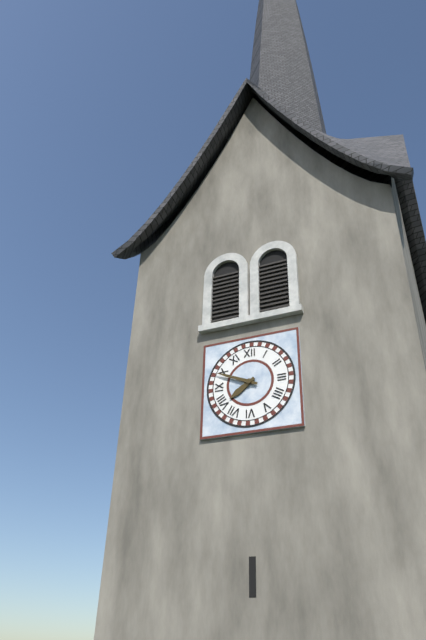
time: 7:49
